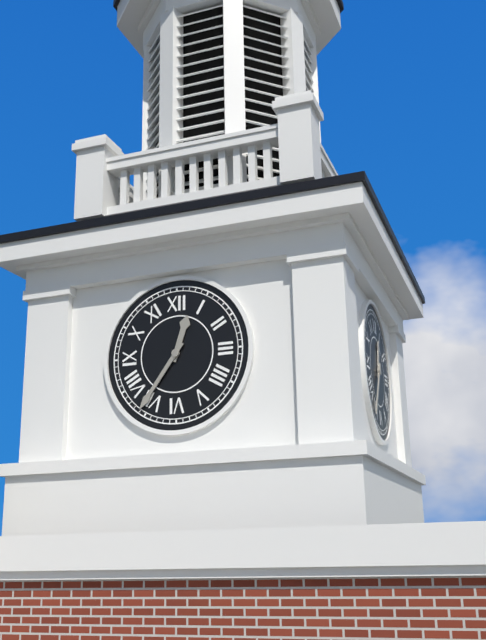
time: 12:36
